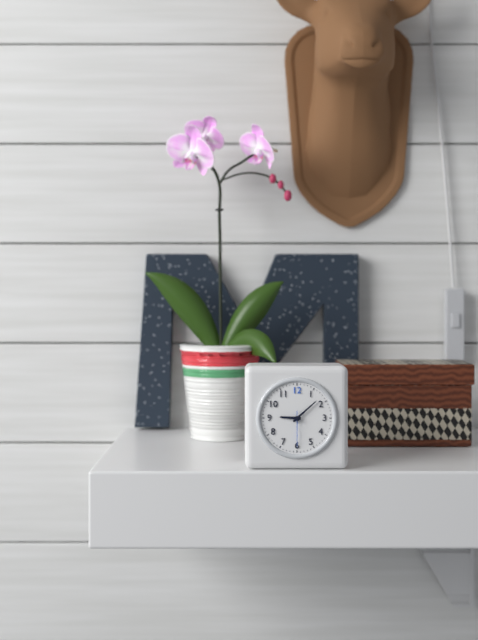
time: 9:08
